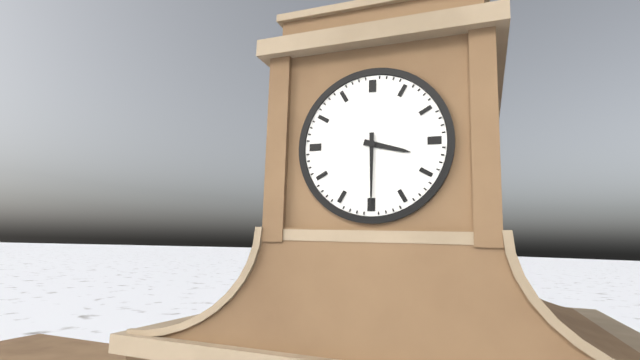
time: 3:30
